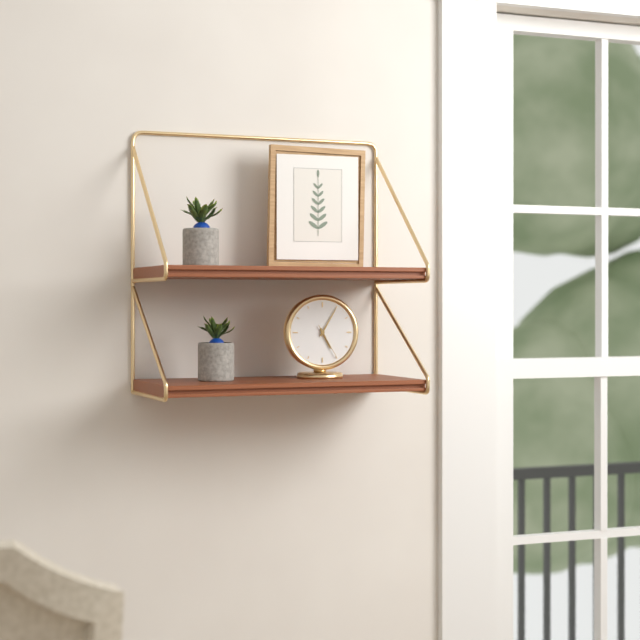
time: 5:05
